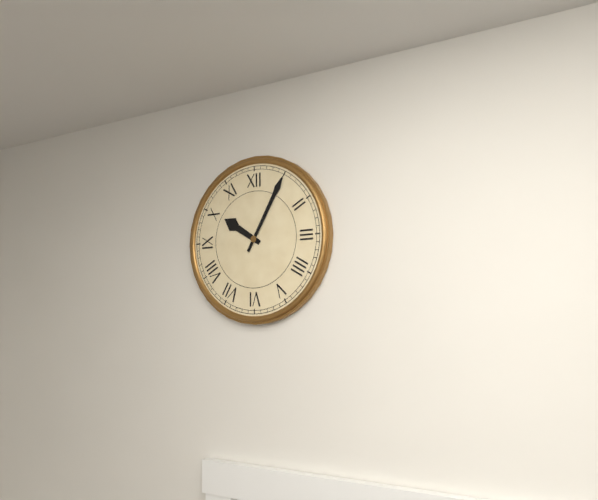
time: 10:05
